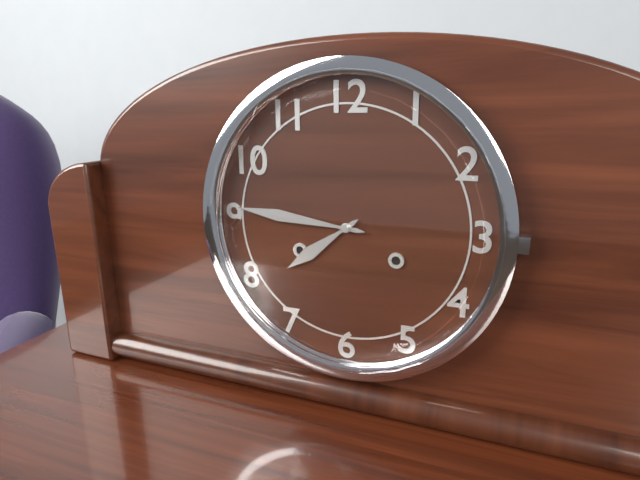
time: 7:46
